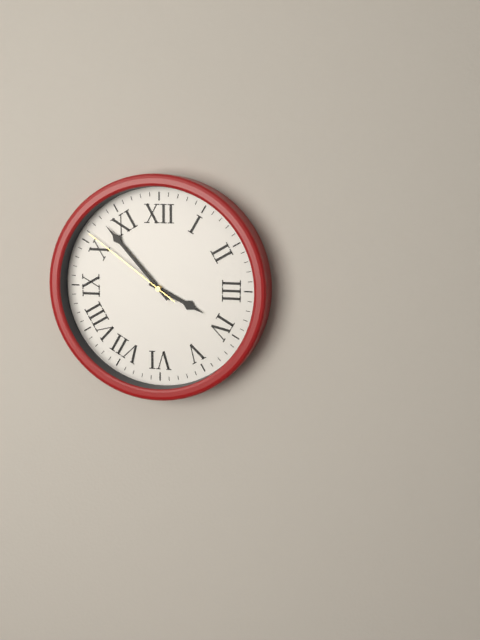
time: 3:53:51
